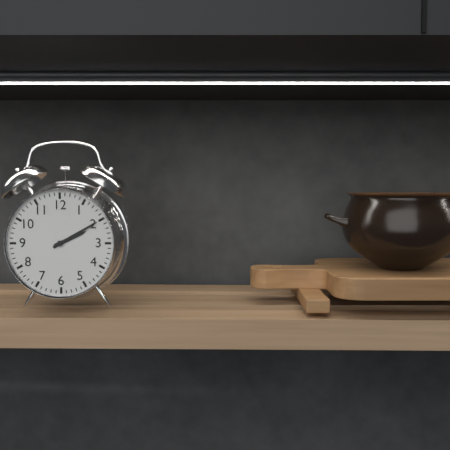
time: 2:10
